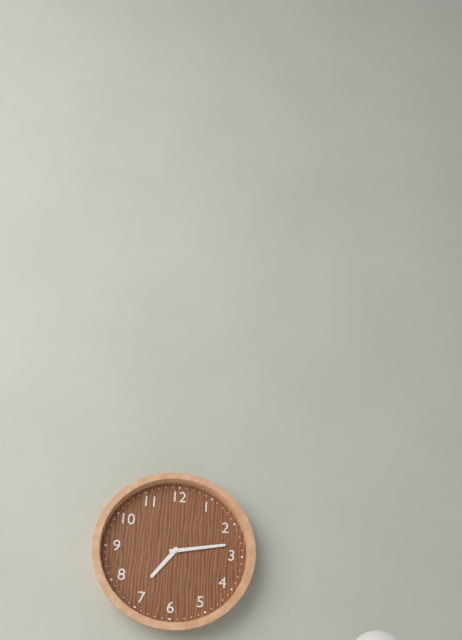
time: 7:13
